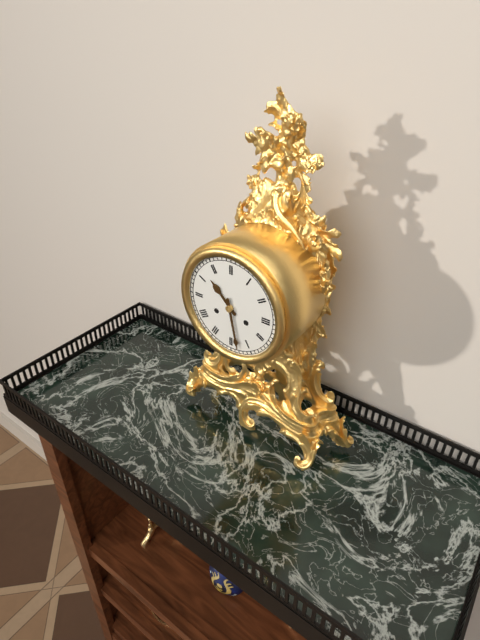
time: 10:28
